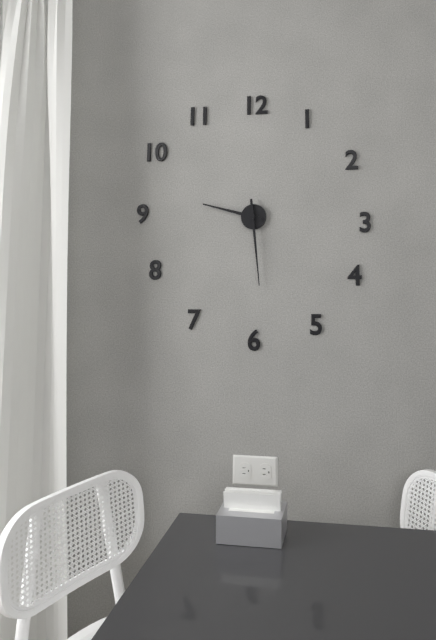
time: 9:29
